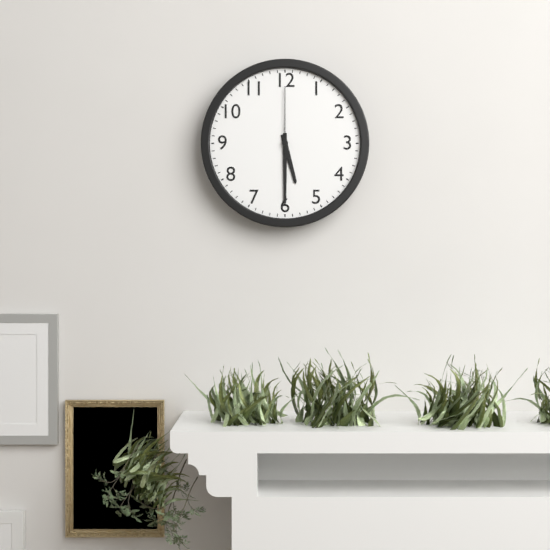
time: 5:30:00
